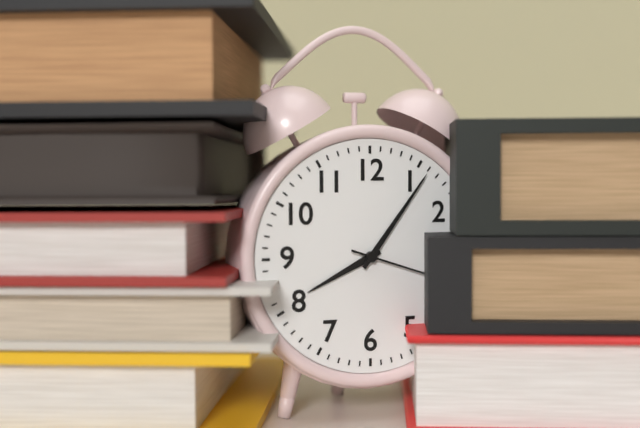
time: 8:06
